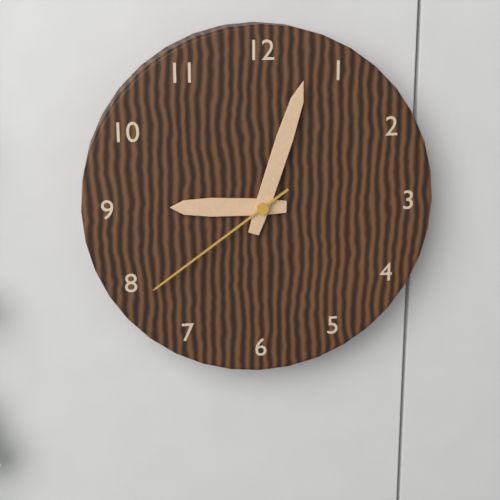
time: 9:03:39
